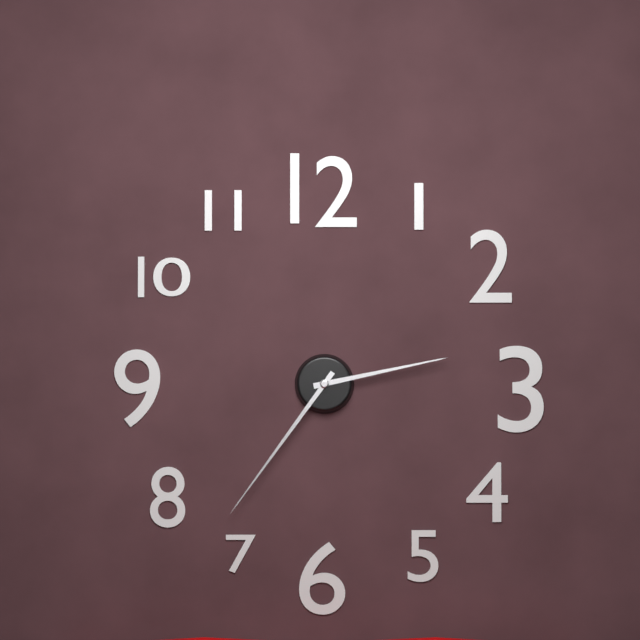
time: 2:36
